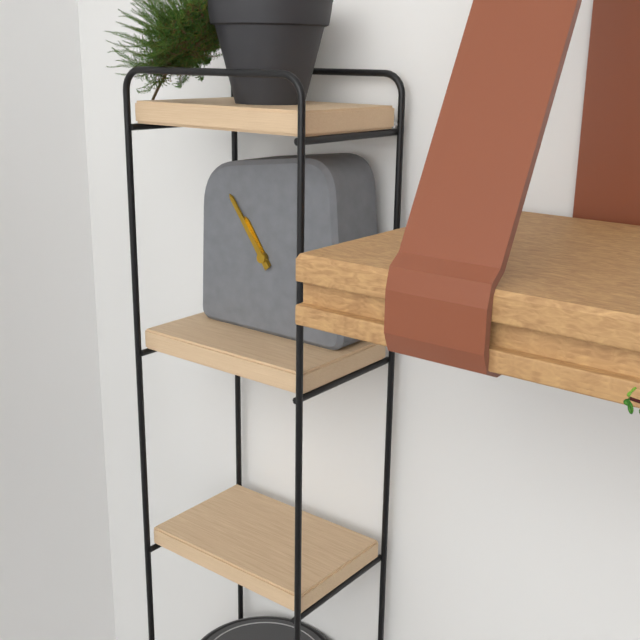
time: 10:54
